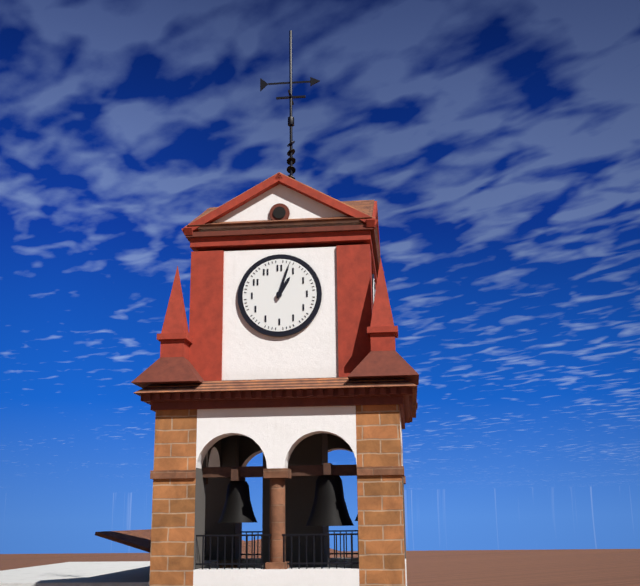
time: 1:03
